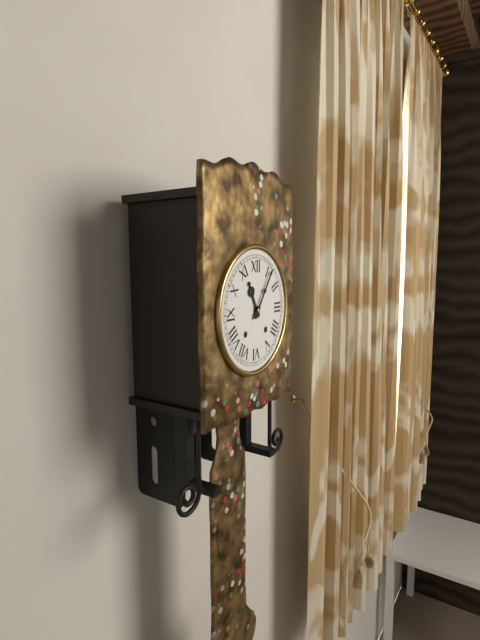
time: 11:06
